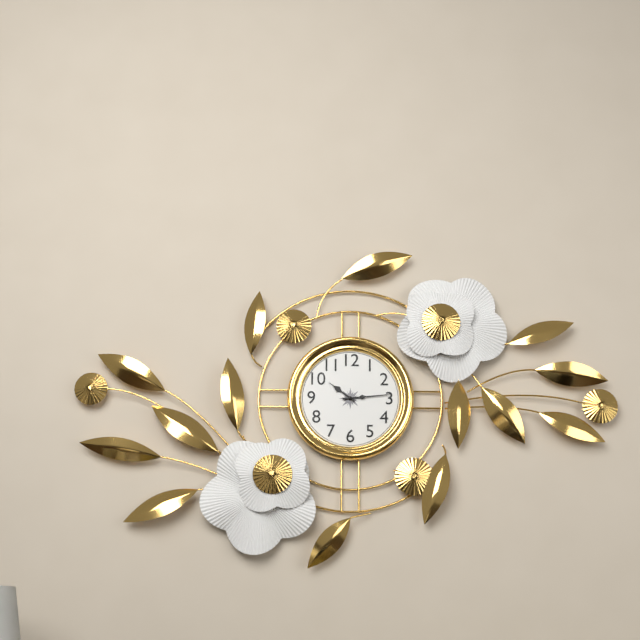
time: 10:14
